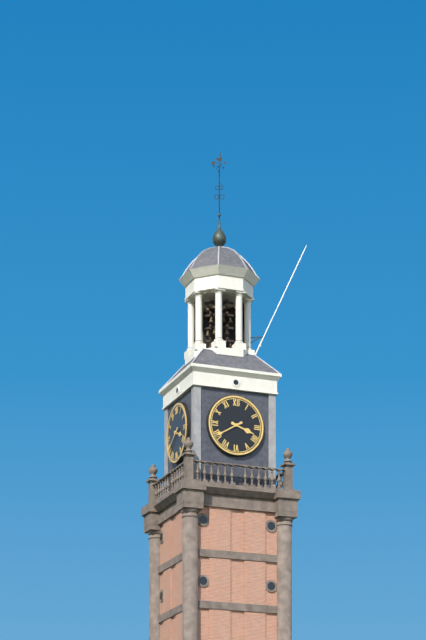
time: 3:40
